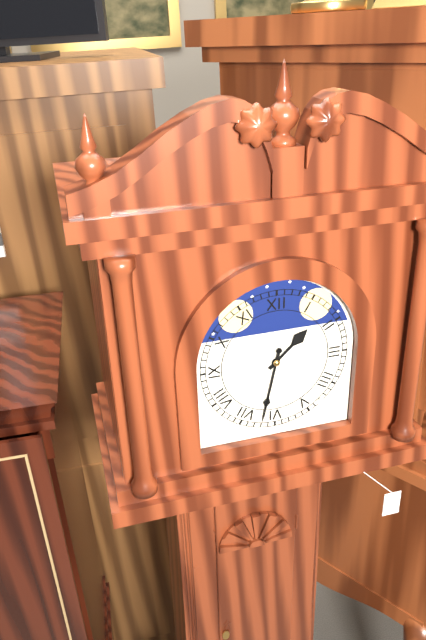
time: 1:32
